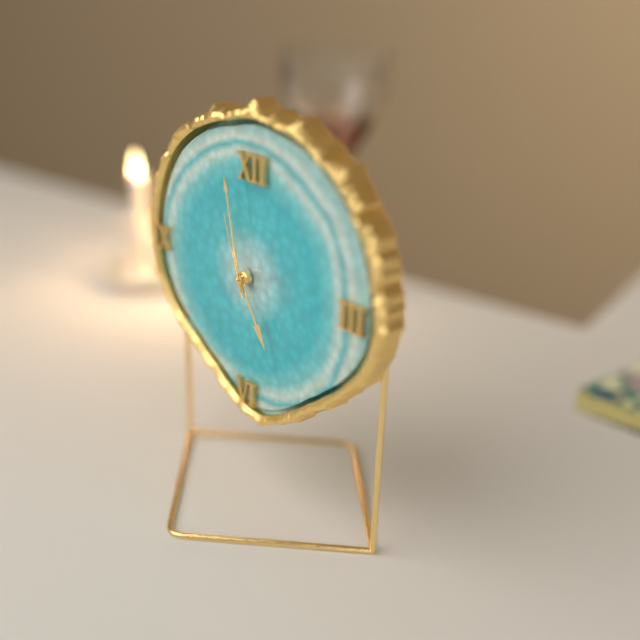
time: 4:58:57
